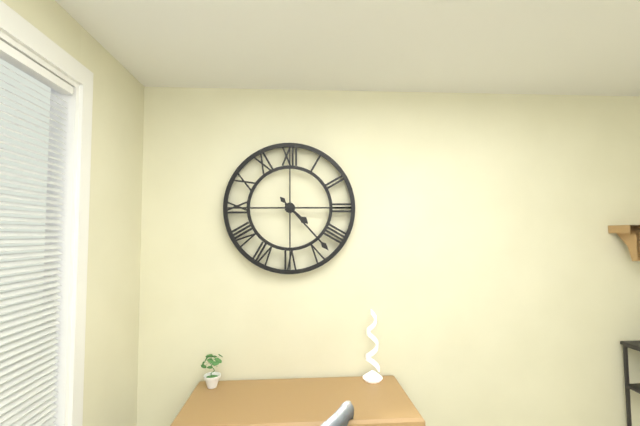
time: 4:23
